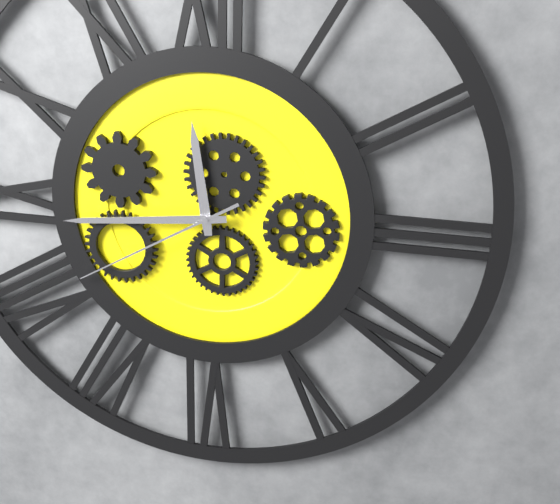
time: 11:44:40
